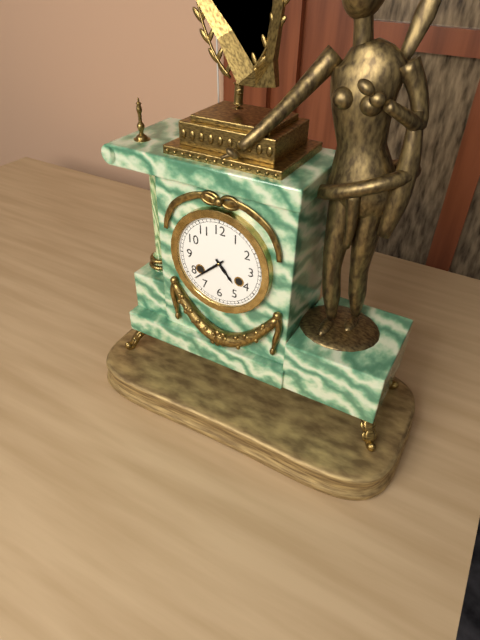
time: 4:38
